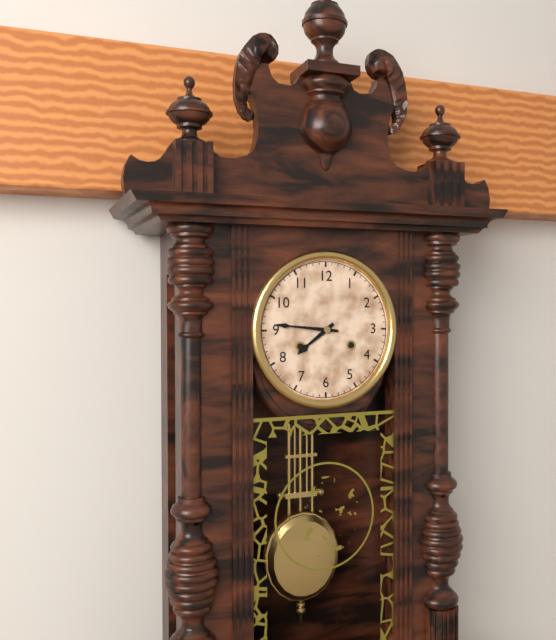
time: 7:46
